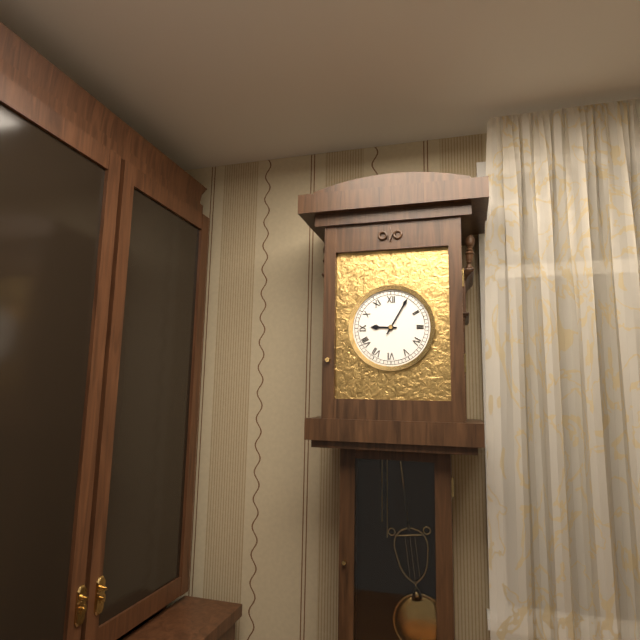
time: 9:05
